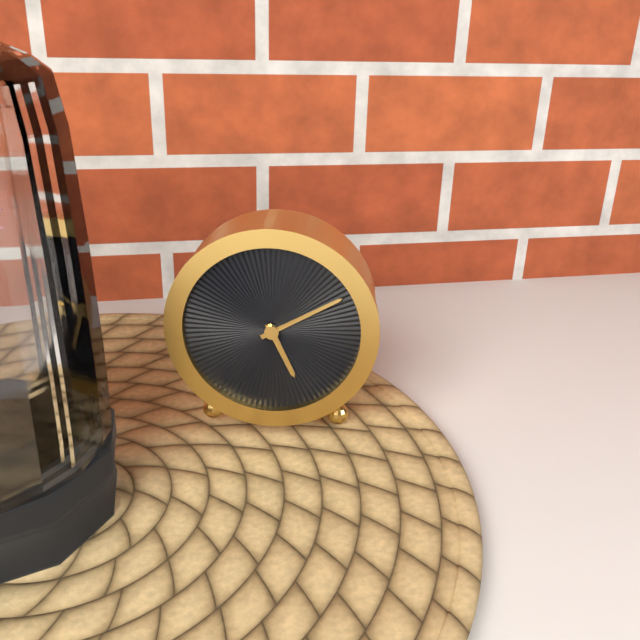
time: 5:10
